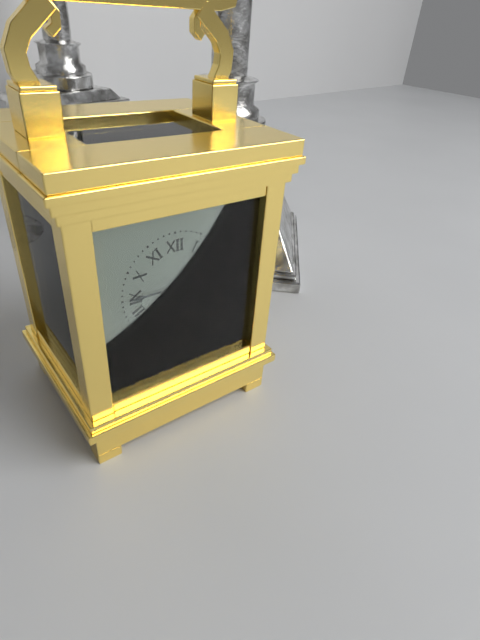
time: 7:45
